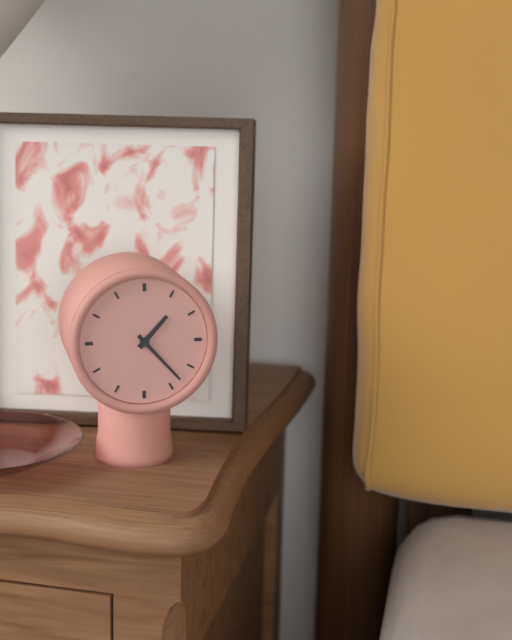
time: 1:23
